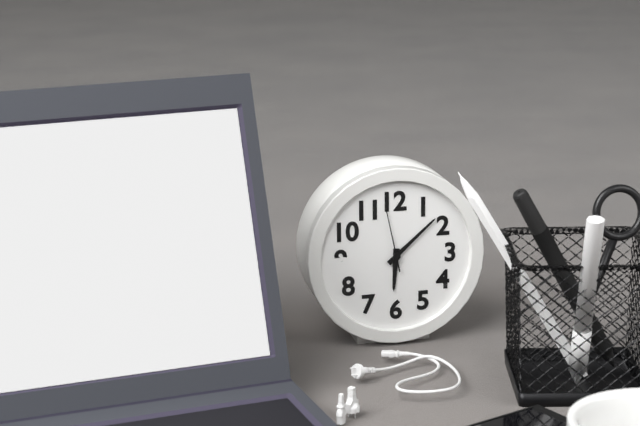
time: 6:08:58
